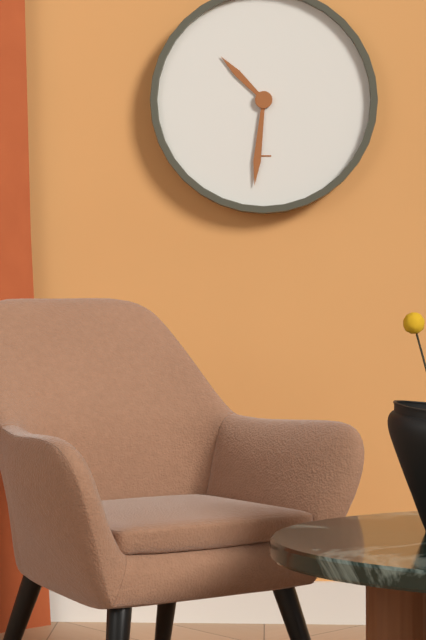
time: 10:31
